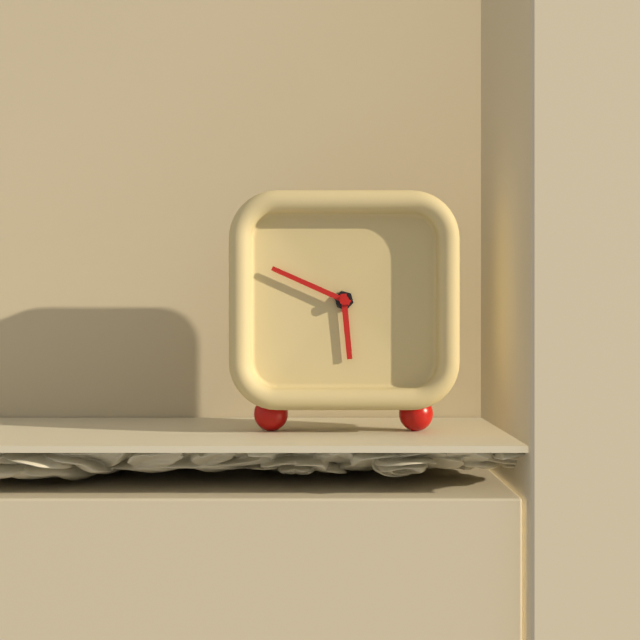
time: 5:49
